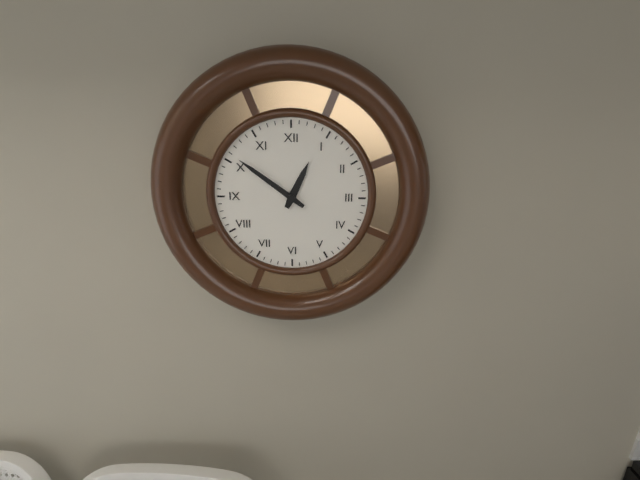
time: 12:51
